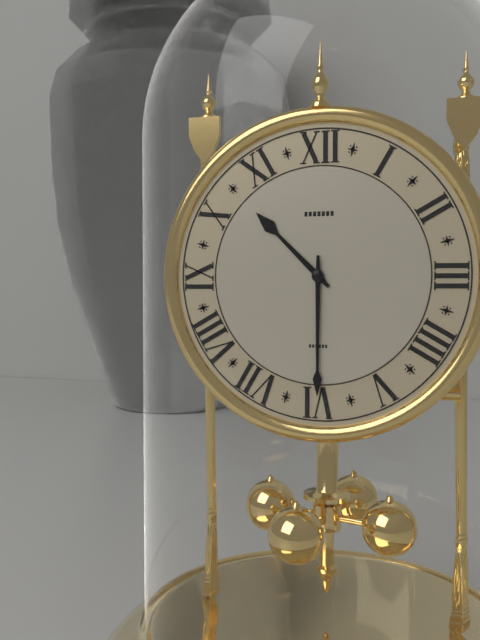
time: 10:30
